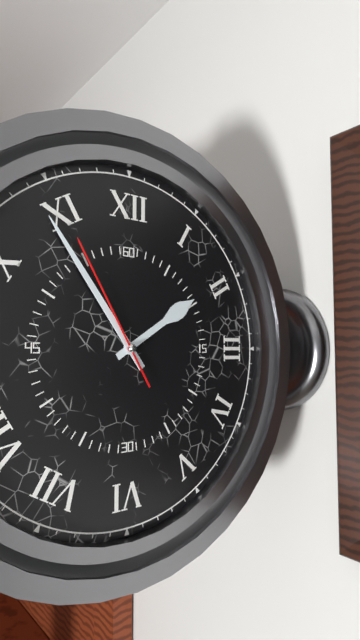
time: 1:54:55
